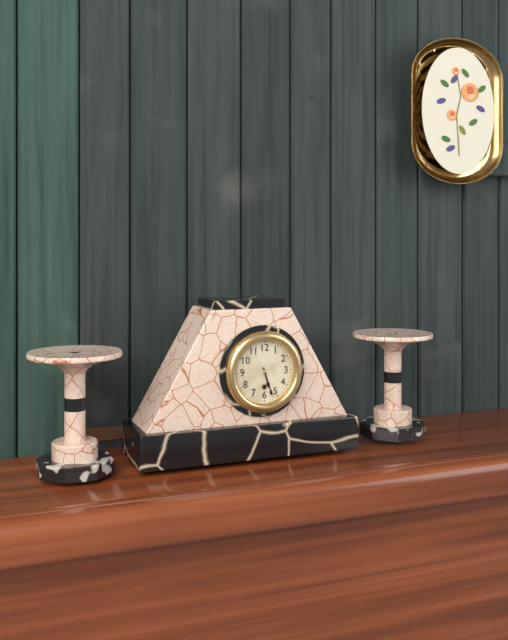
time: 5:27
